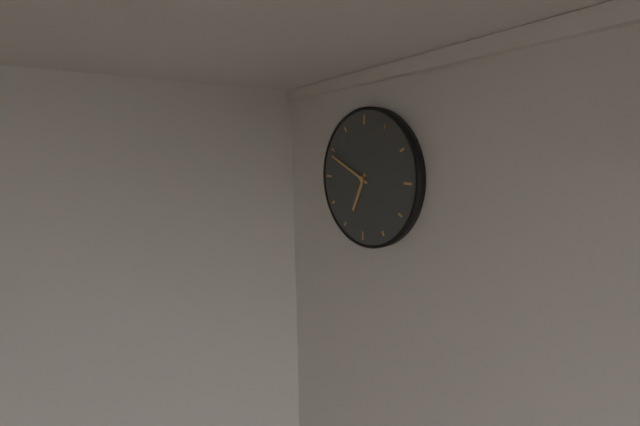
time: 6:49
